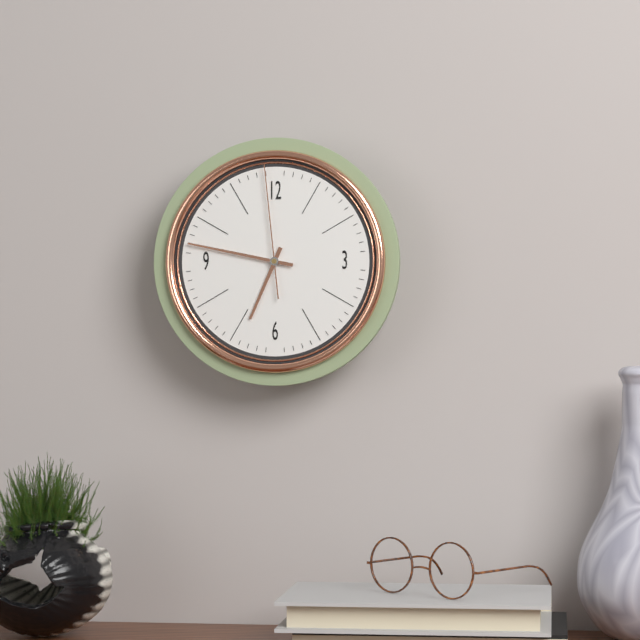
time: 6:47:59
